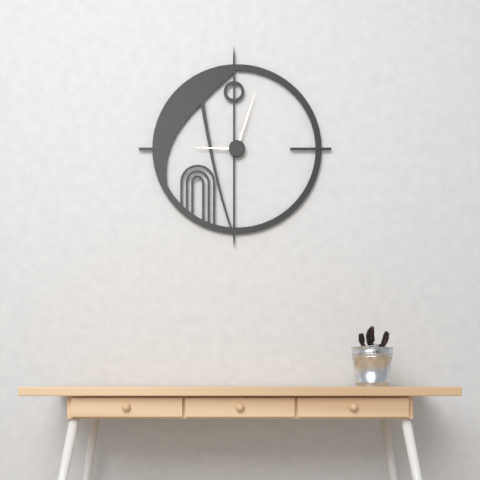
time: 9:03
